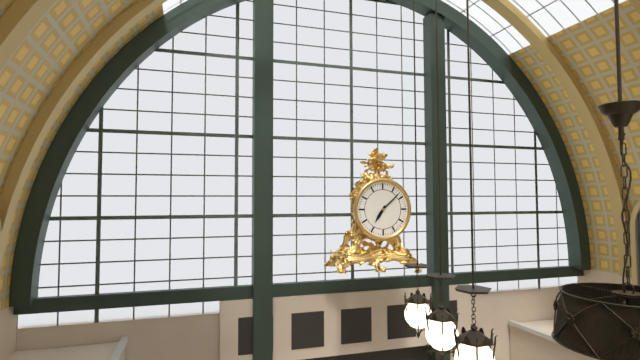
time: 7:08
